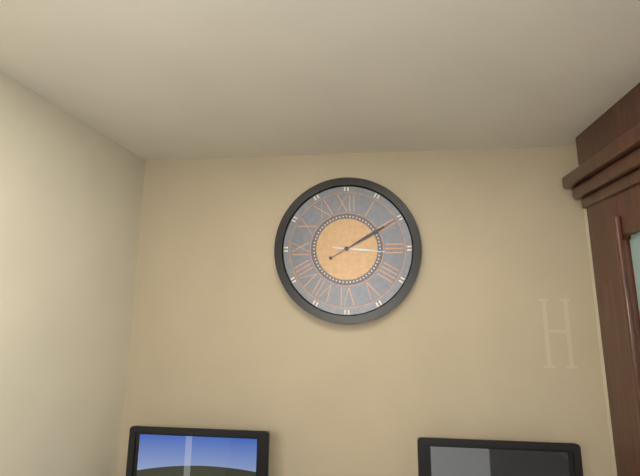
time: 3:10
